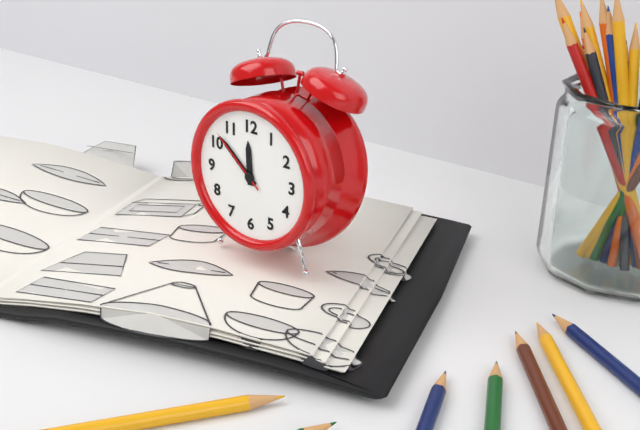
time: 11:52:52
